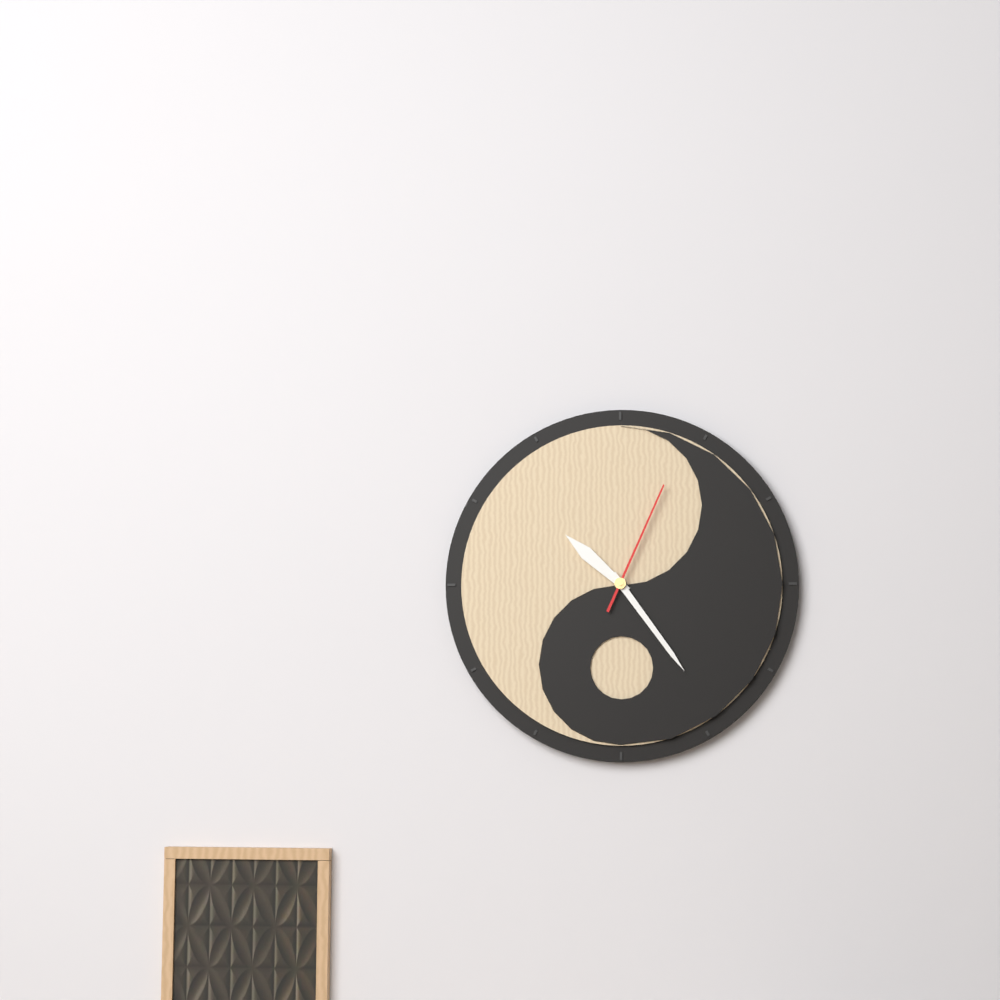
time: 10:24:04
